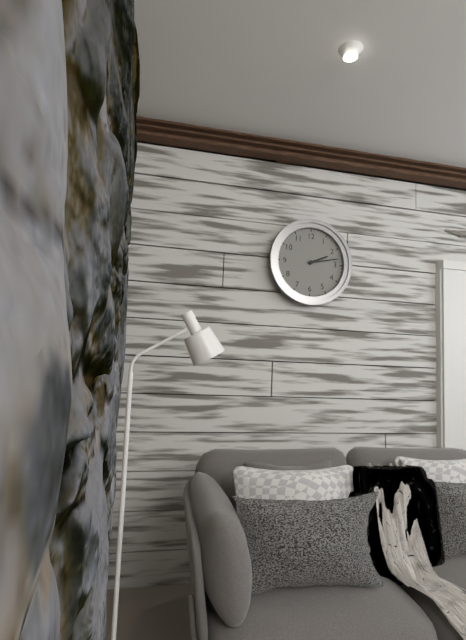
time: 2:13
